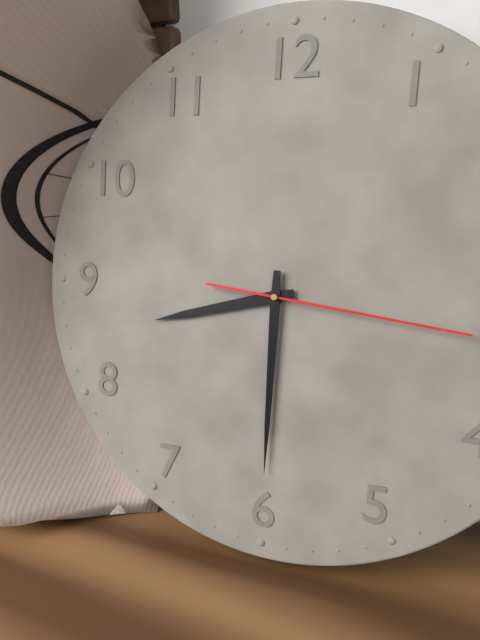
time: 8:30:16
